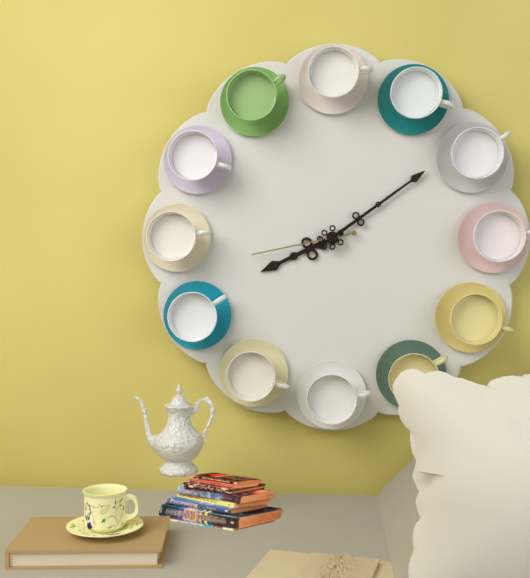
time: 8:09:43
